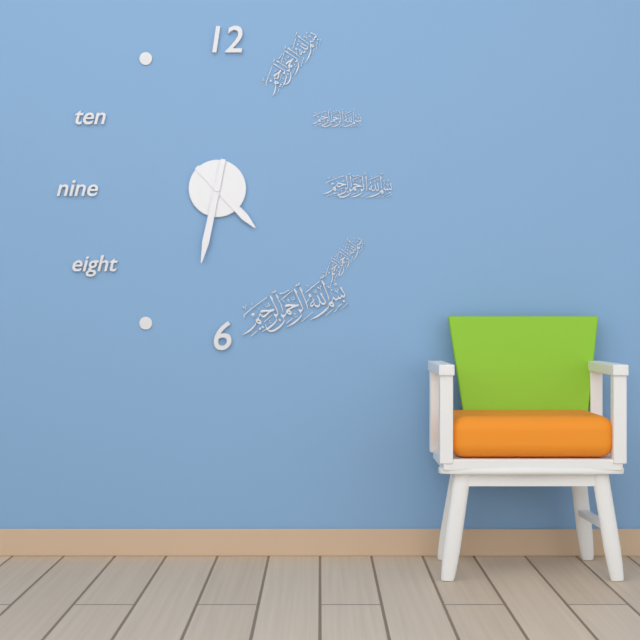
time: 4:32
